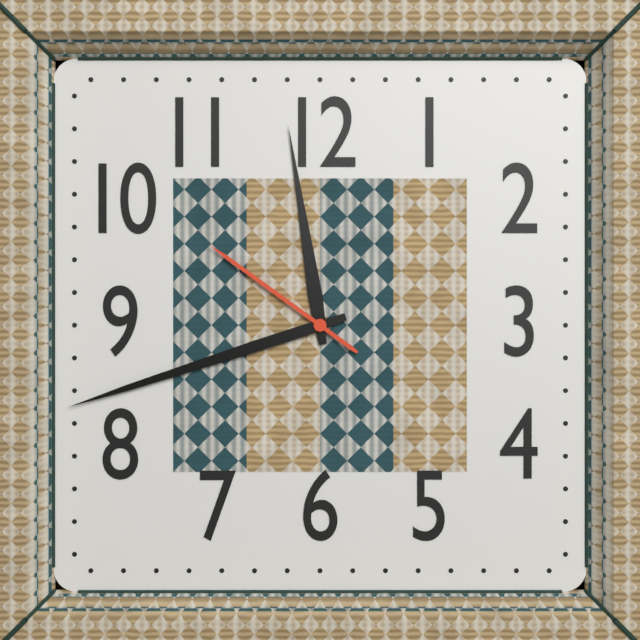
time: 11:42:51
